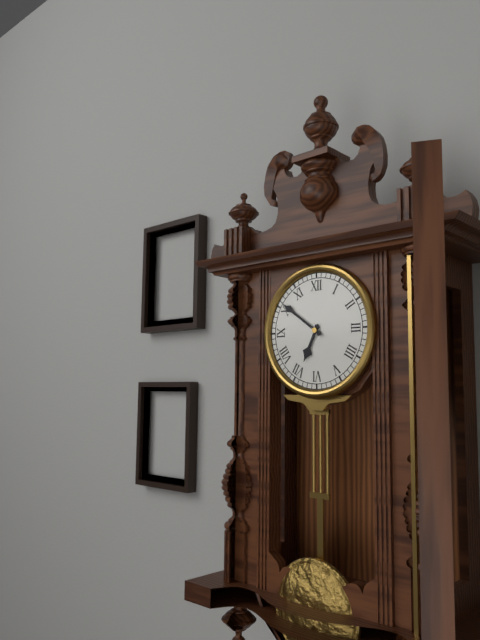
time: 6:51
